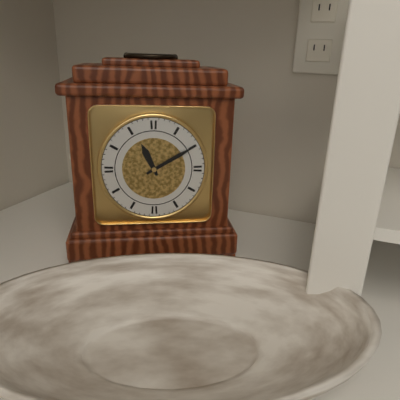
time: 11:10
